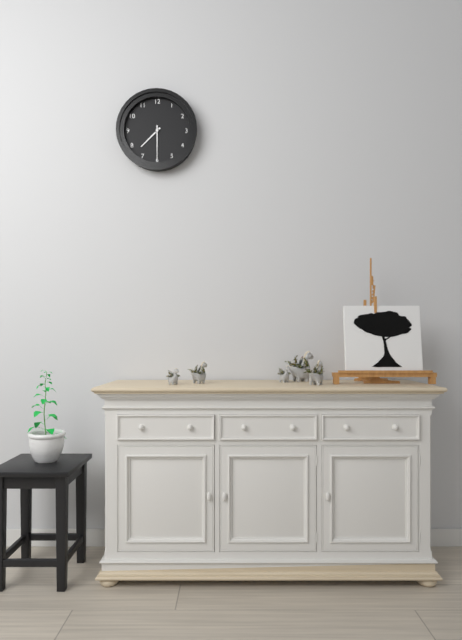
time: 7:30
